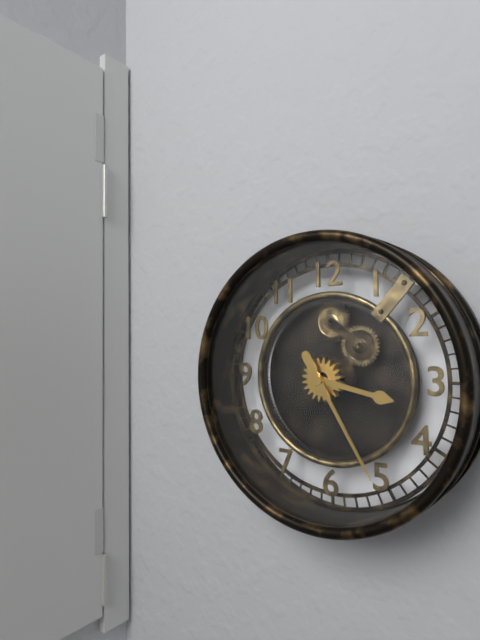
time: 3:25
